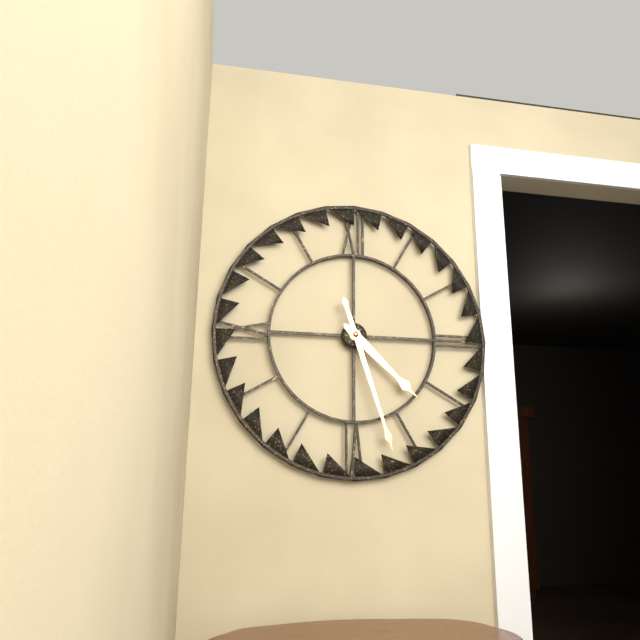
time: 4:27
